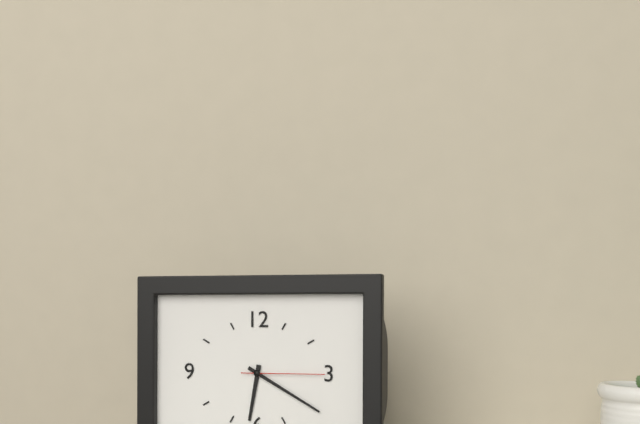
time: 6:20:15
